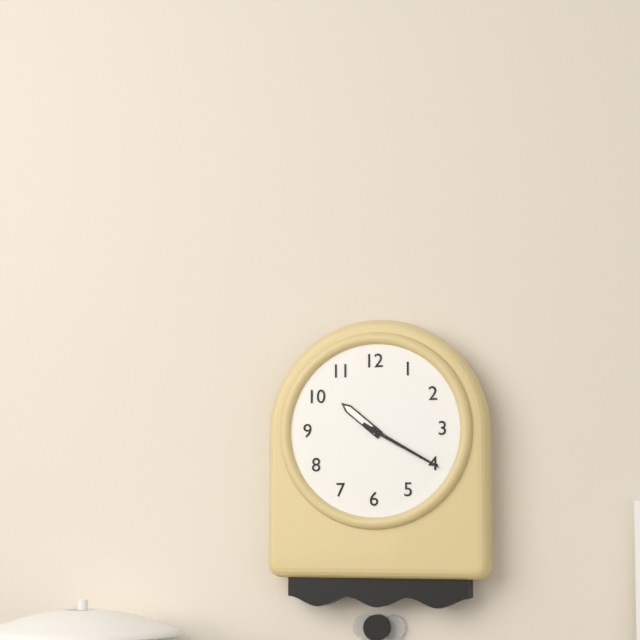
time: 10:20
